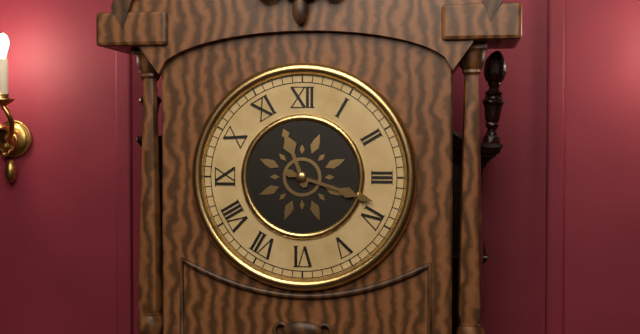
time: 11:18
